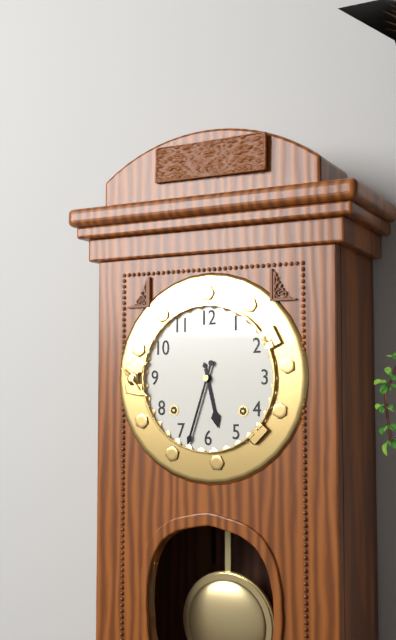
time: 5:33
